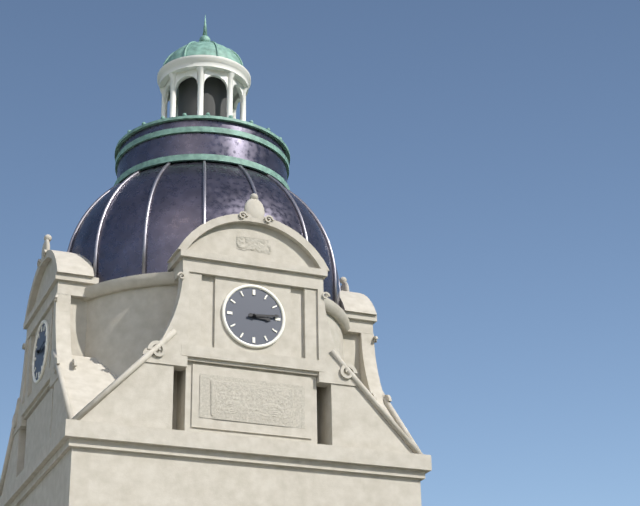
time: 3:14
